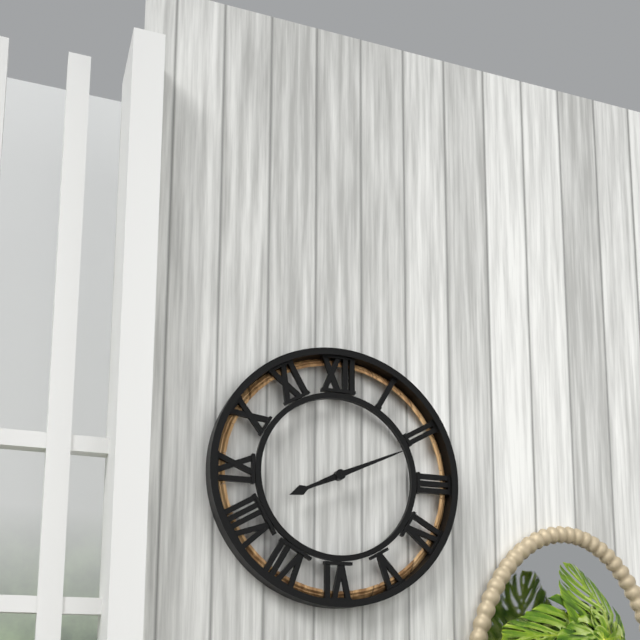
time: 8:11
